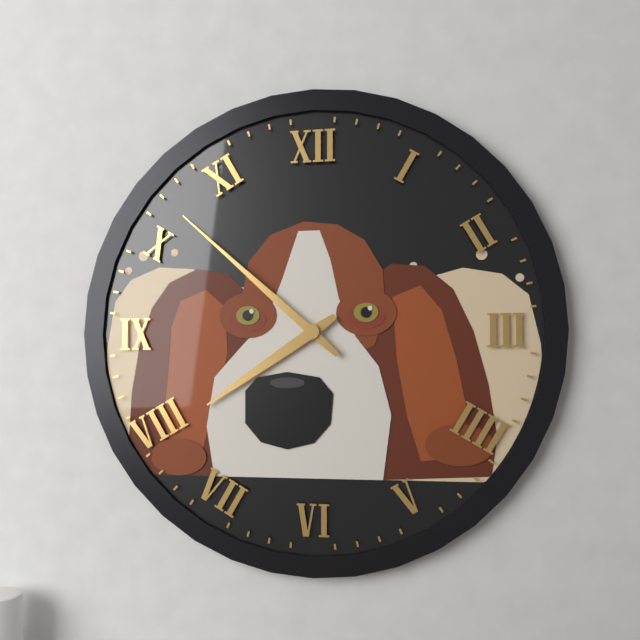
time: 7:52
